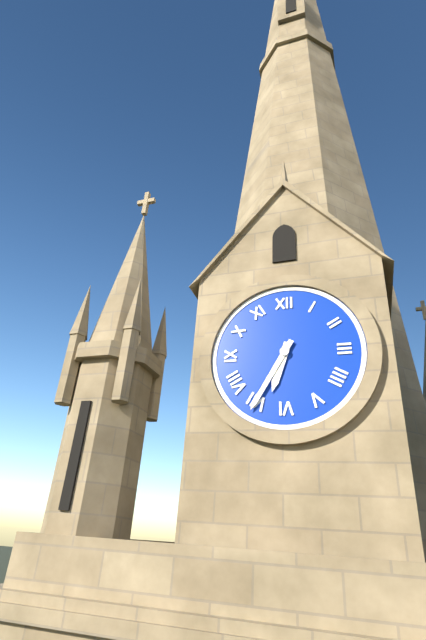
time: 6:35
